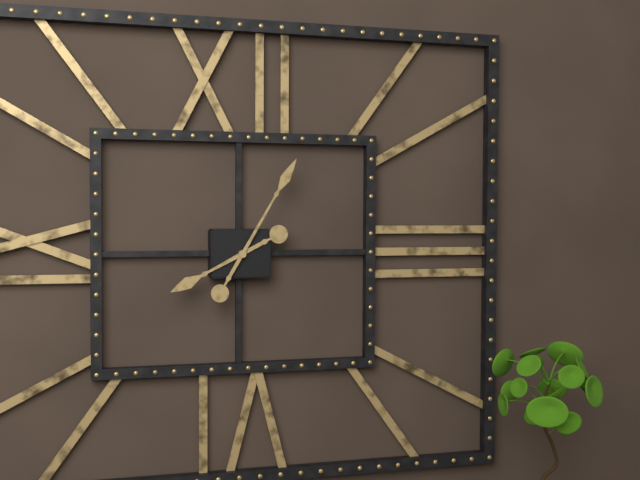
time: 8:05
